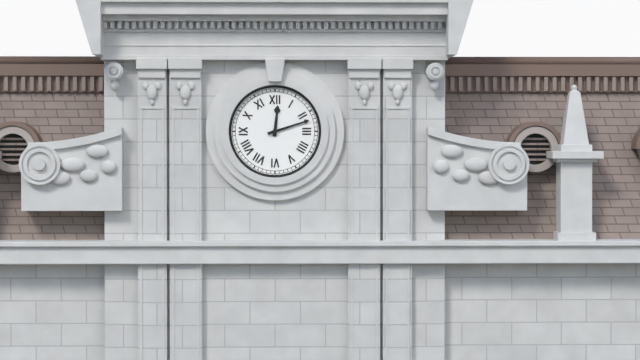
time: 12:12
